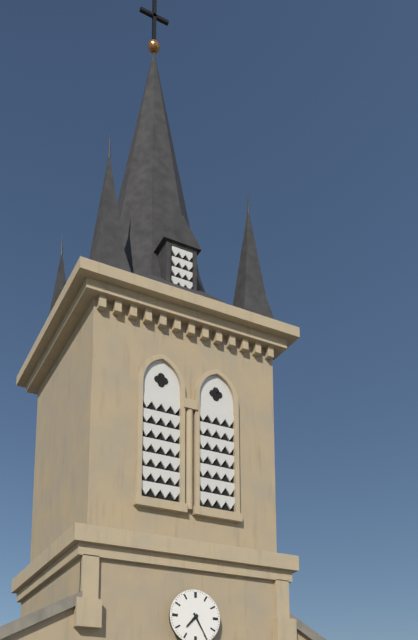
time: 7:25
